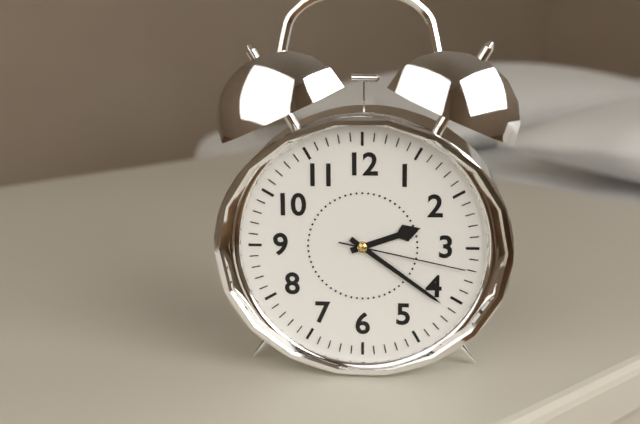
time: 2:21:17
